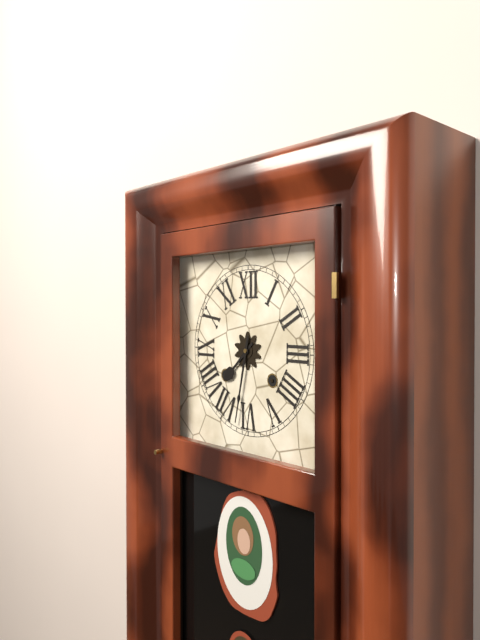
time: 7:32
